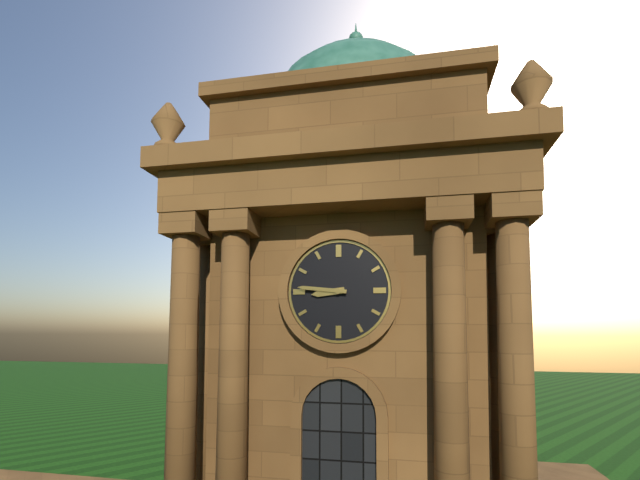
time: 8:46
